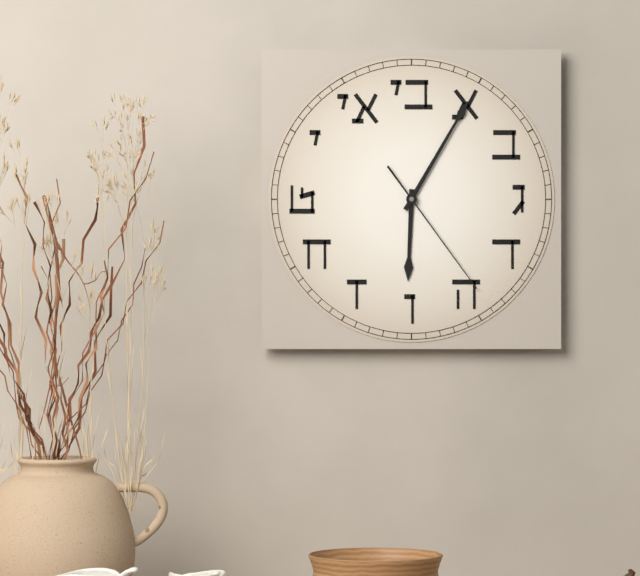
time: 6:05:24
